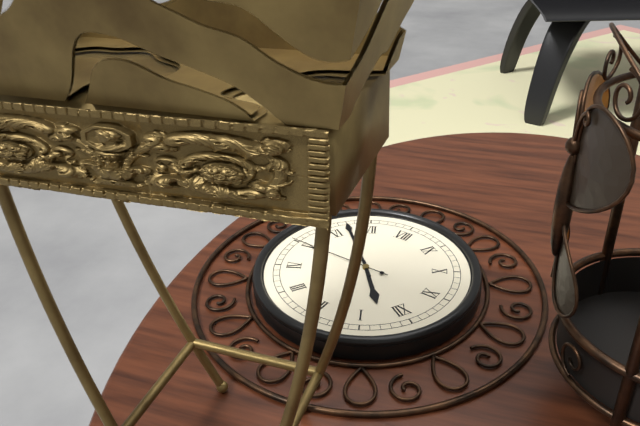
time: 12:32:25
